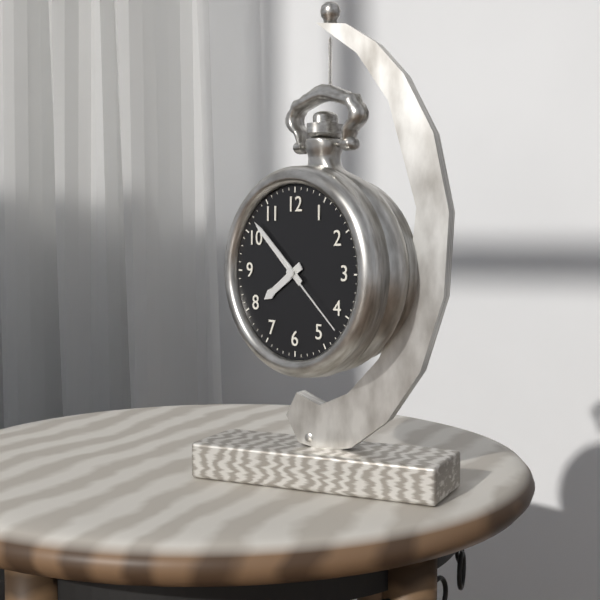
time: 7:52:22
